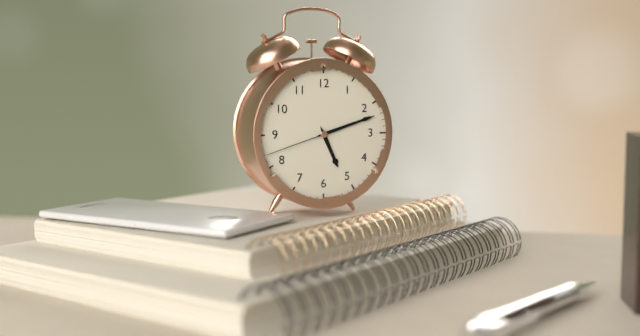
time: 5:12:42
